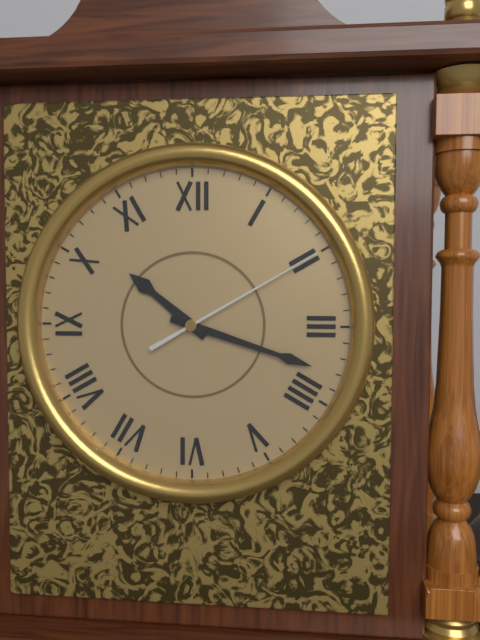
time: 10:18:10
